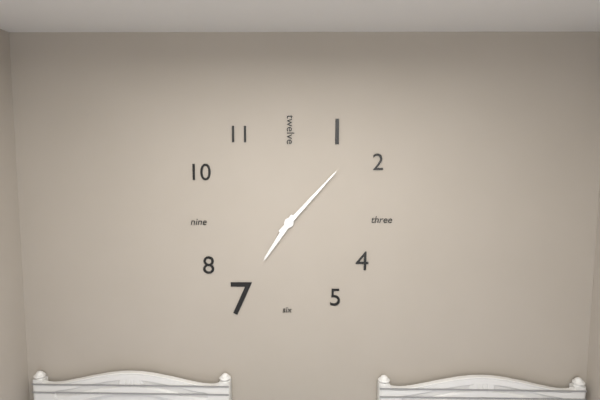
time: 7:07
